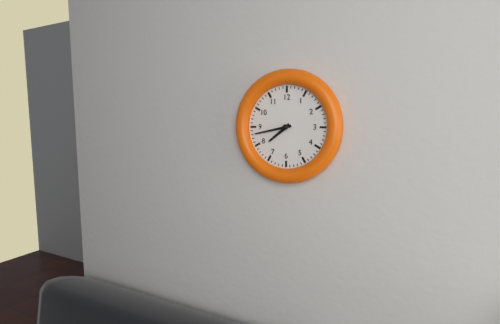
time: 7:43
